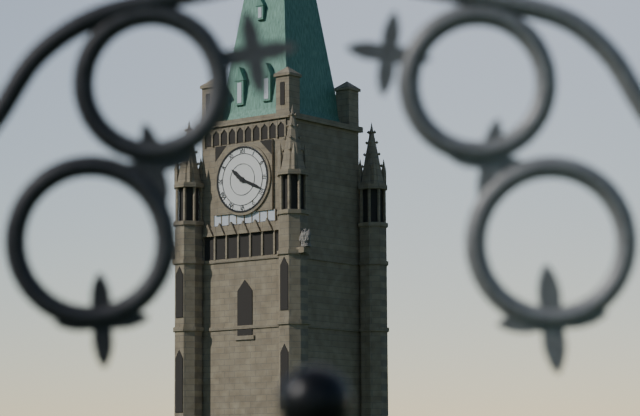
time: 10:19
